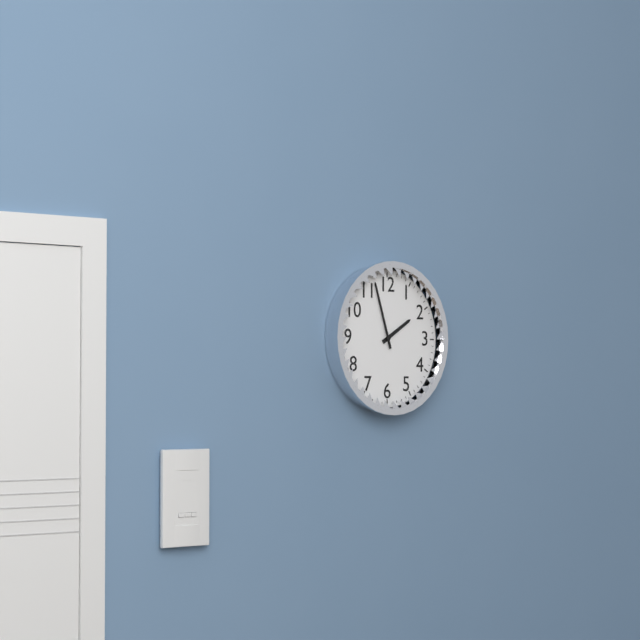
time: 1:57
